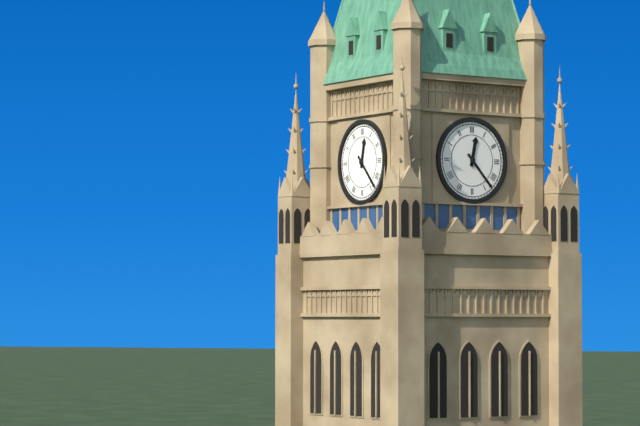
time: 12:23
